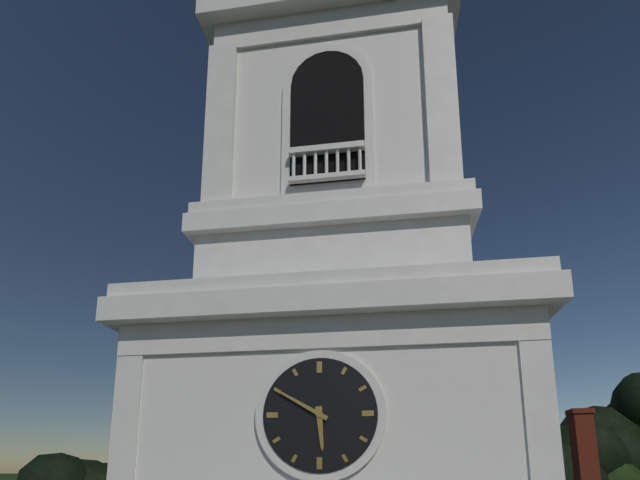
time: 5:50
